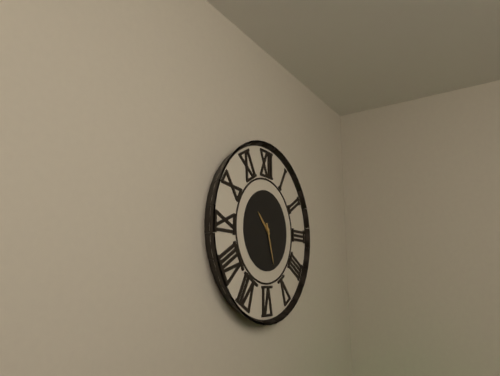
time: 10:27
